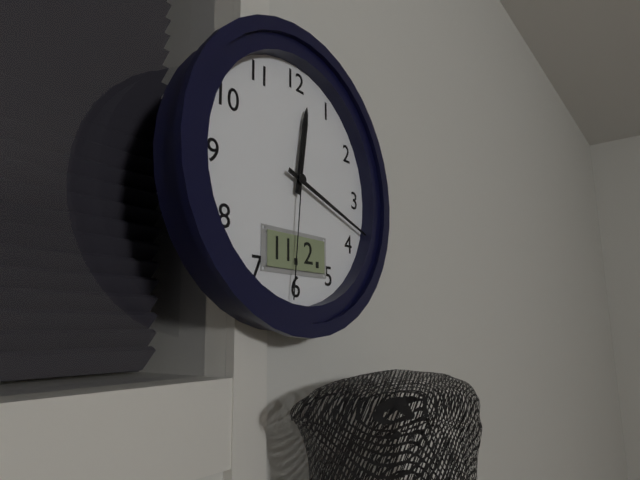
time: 12:18:31
